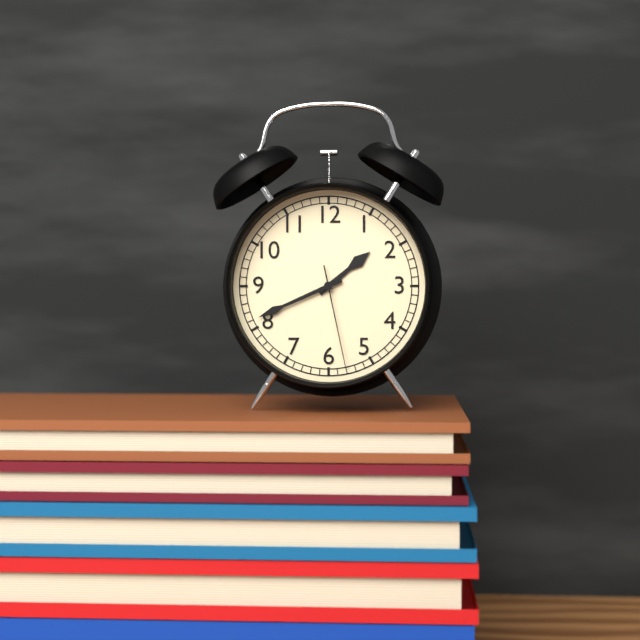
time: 1:41:28
